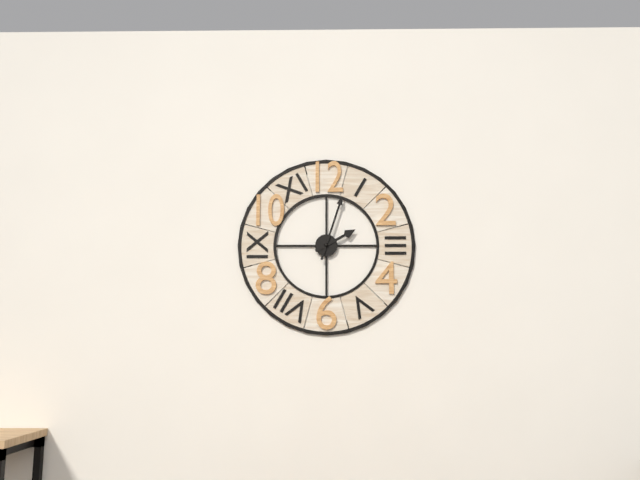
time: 2:03
